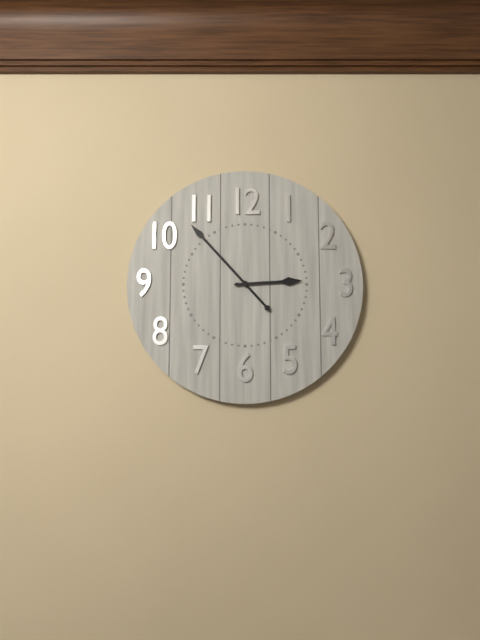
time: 2:53
